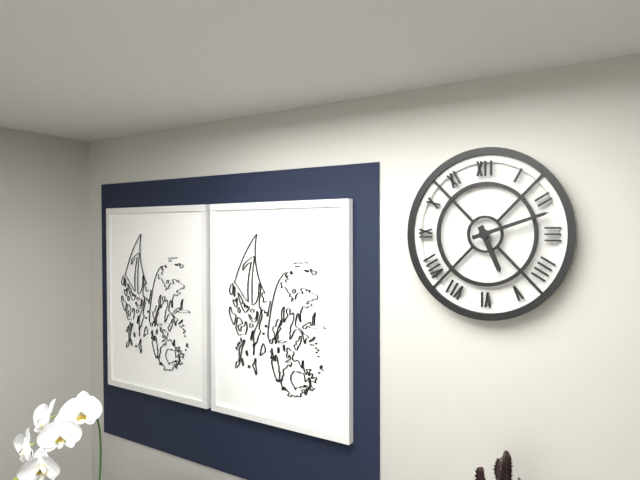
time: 5:12
